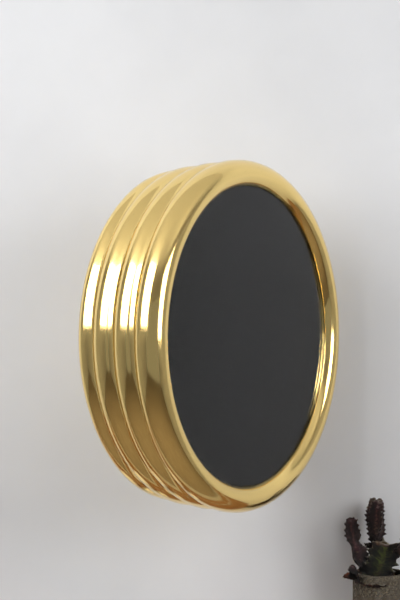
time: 11:19:44
